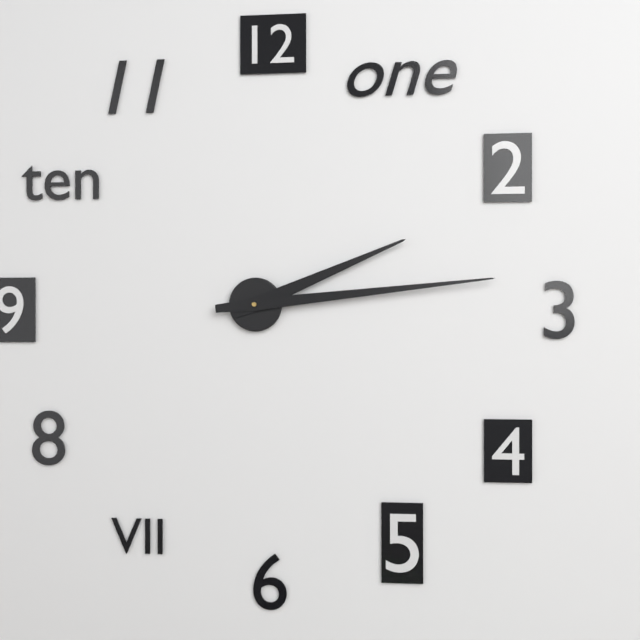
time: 2:14
